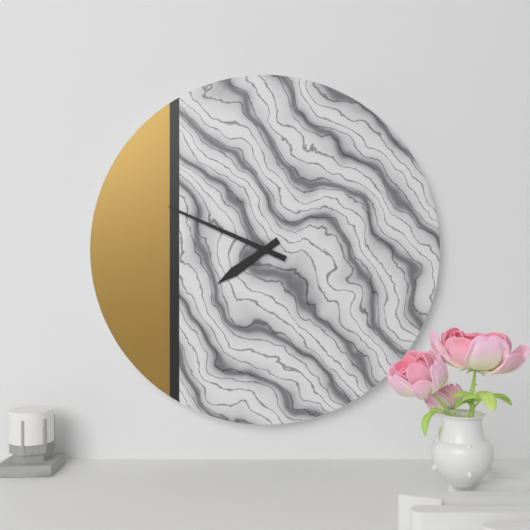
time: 7:49
